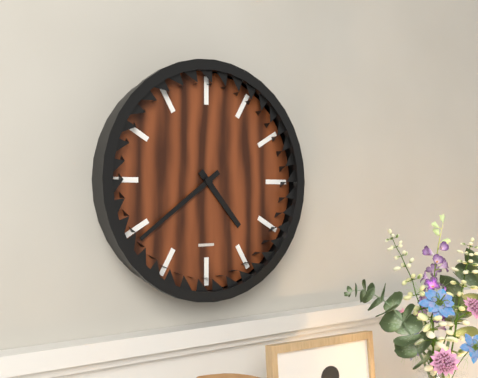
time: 4:39
